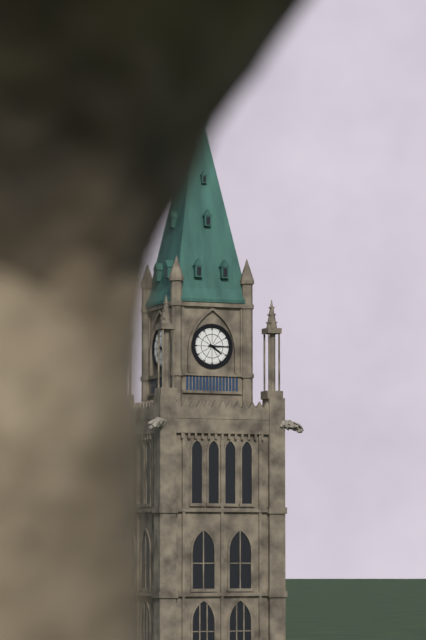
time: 4:15
